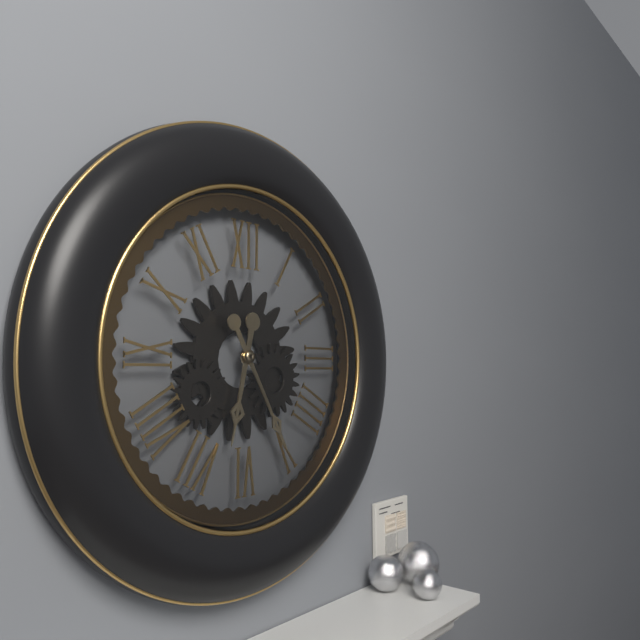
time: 6:25
